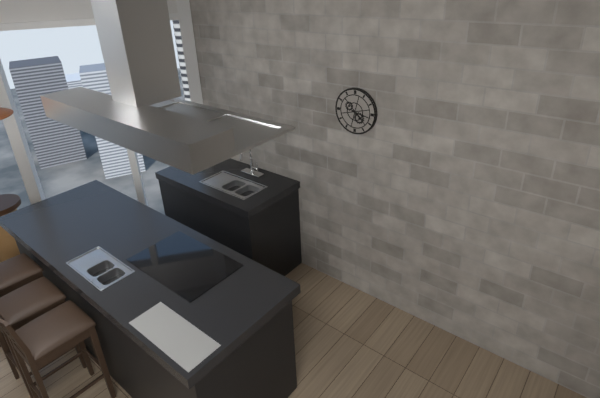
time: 4:17
